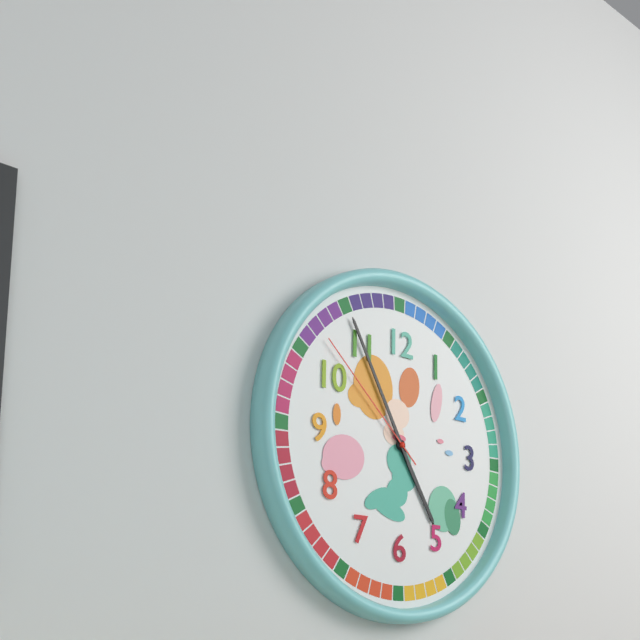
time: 4:55:52
